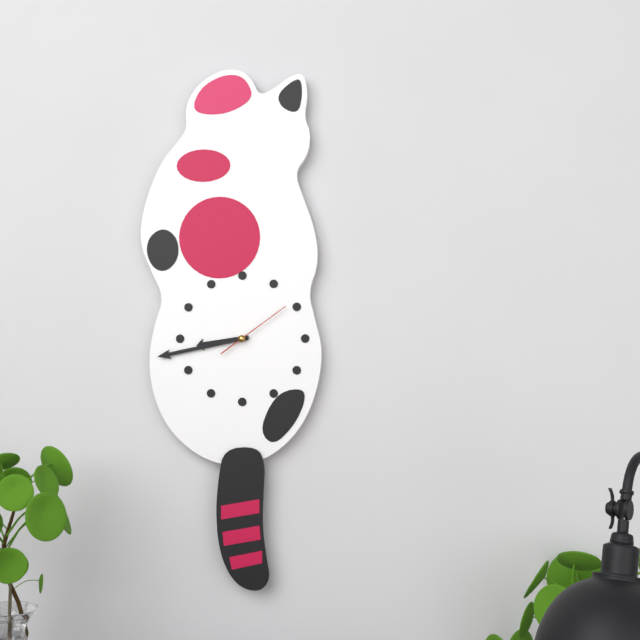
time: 8:43:09
